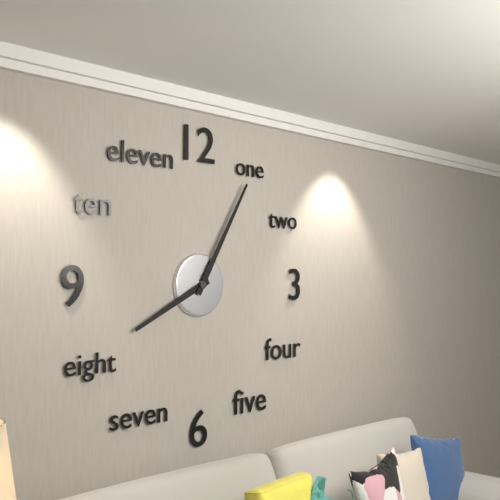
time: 8:05
